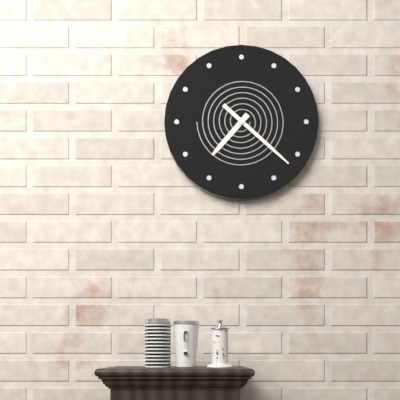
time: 7:22
